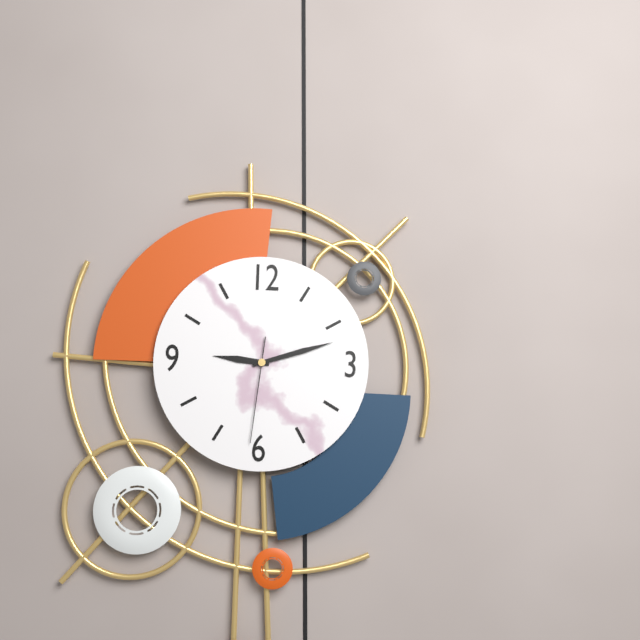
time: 9:12:31
